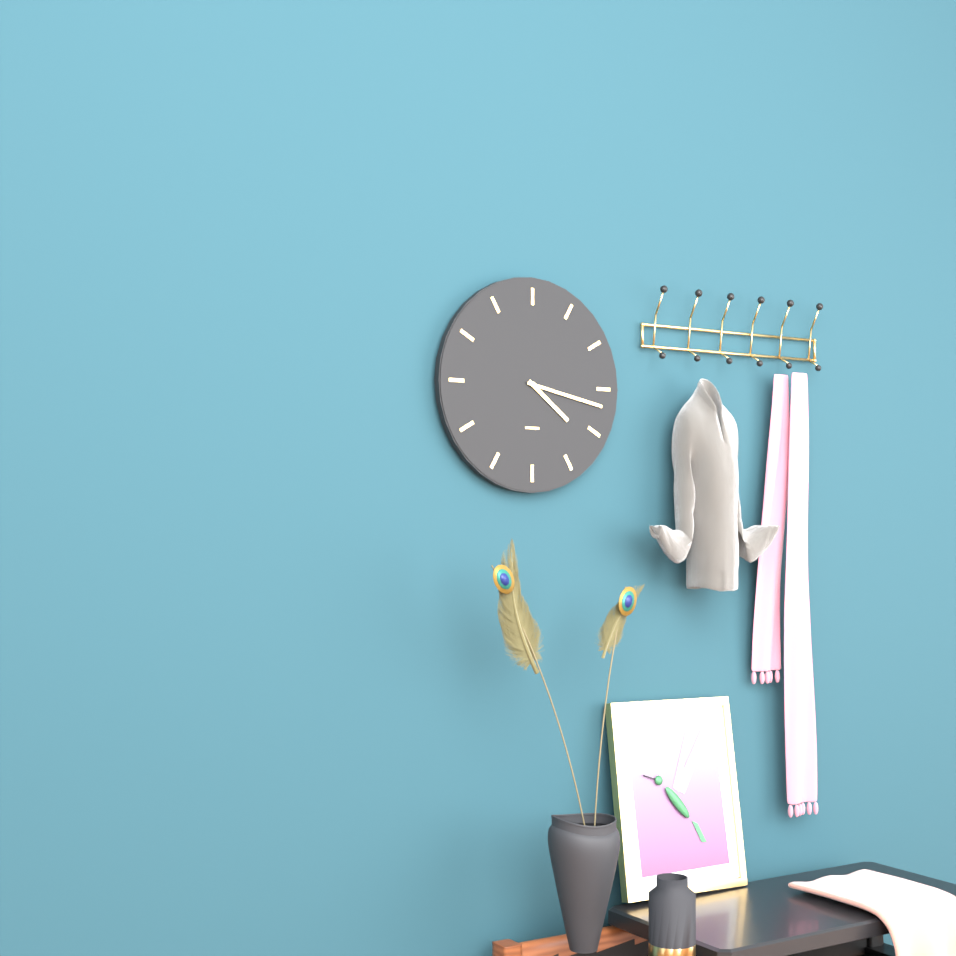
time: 4:17
